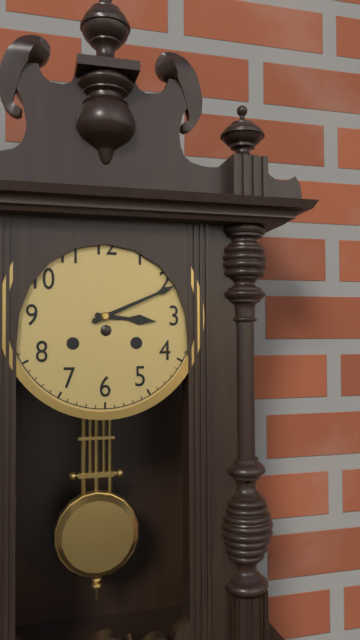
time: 3:11
